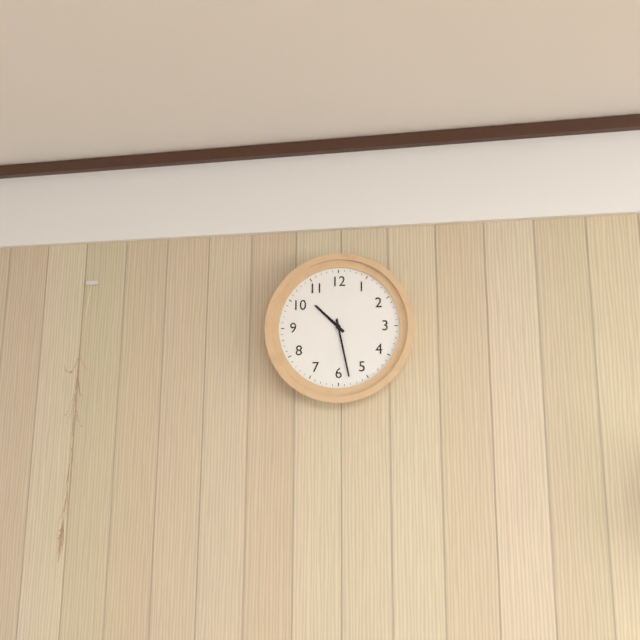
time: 10:28
